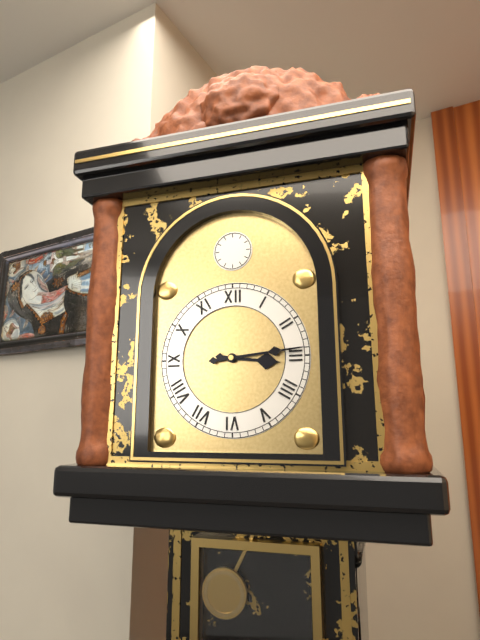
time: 3:14
